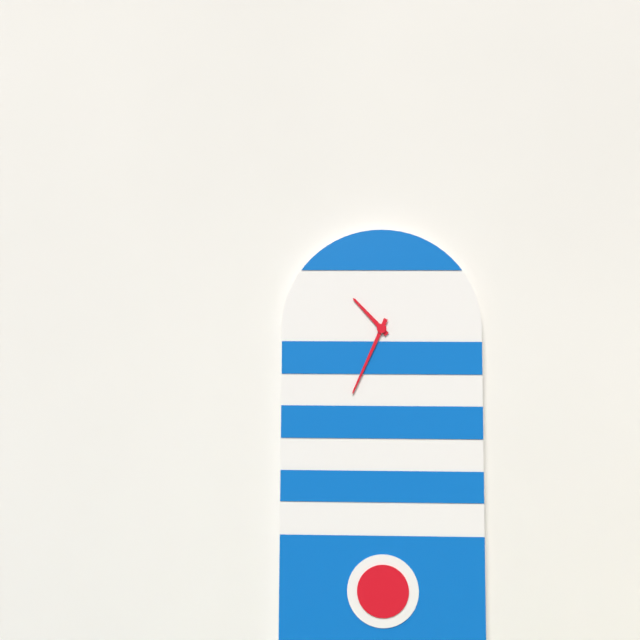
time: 10:34
